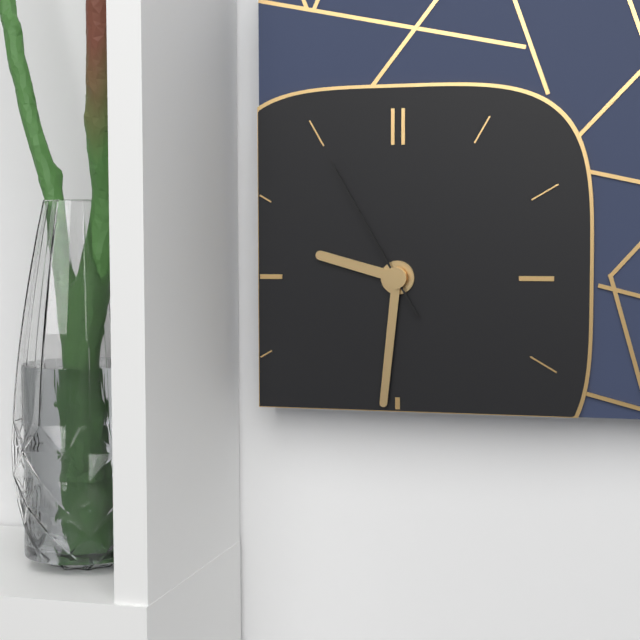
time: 9:31:55
